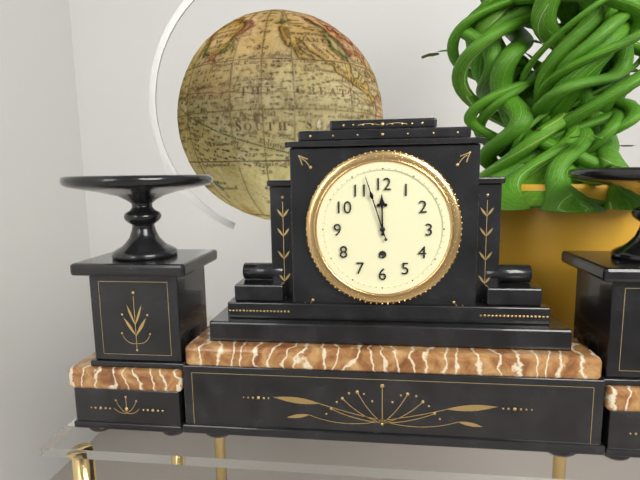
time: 11:57
